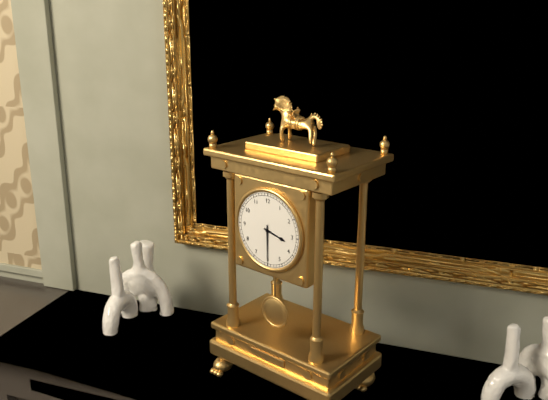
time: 3:30
